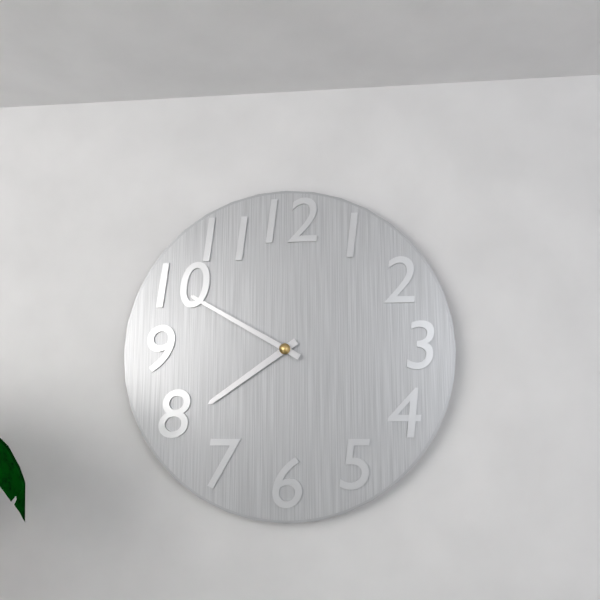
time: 7:50
